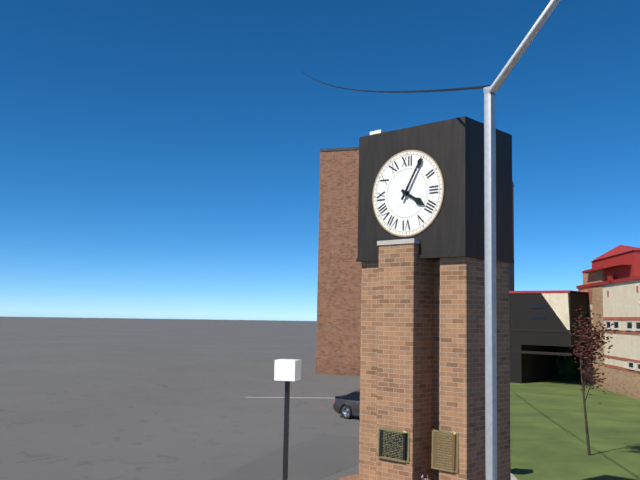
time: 4:05
